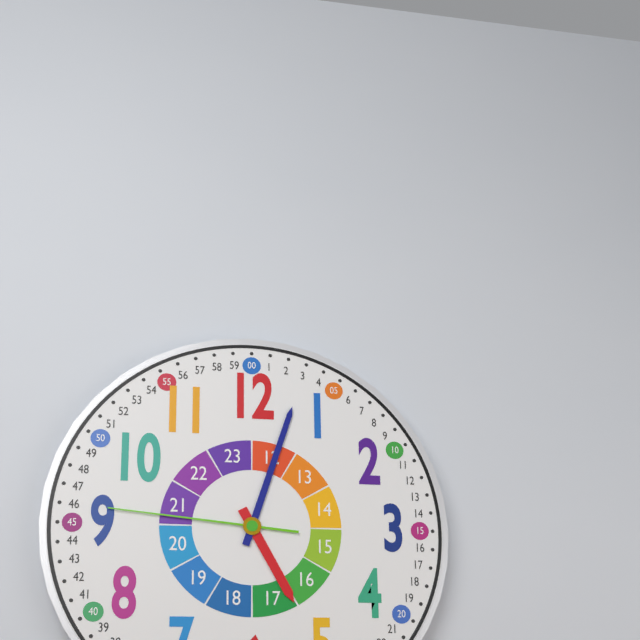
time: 5:03:46
